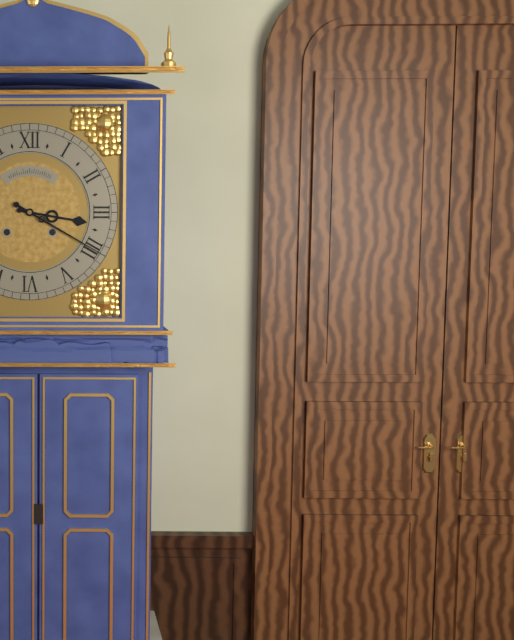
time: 3:20
